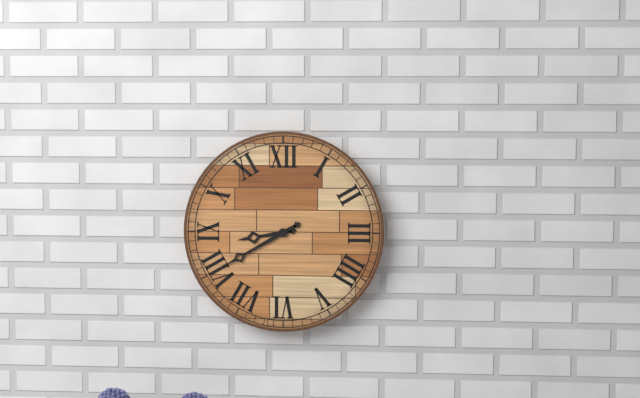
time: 8:40
